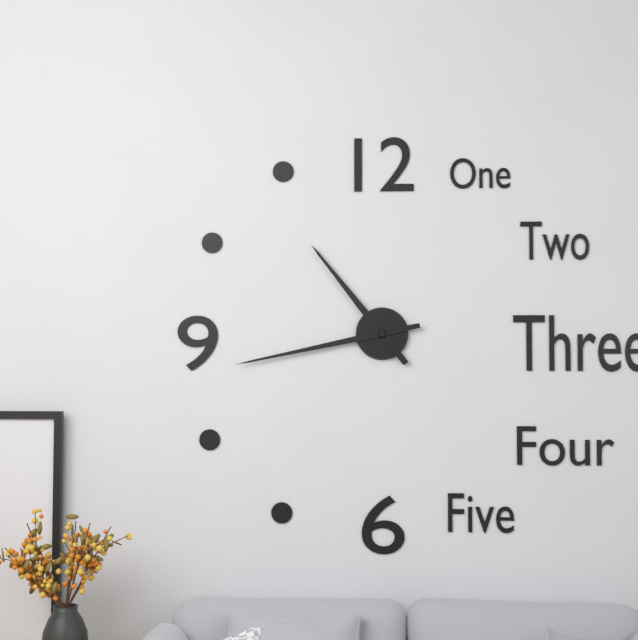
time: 10:43
